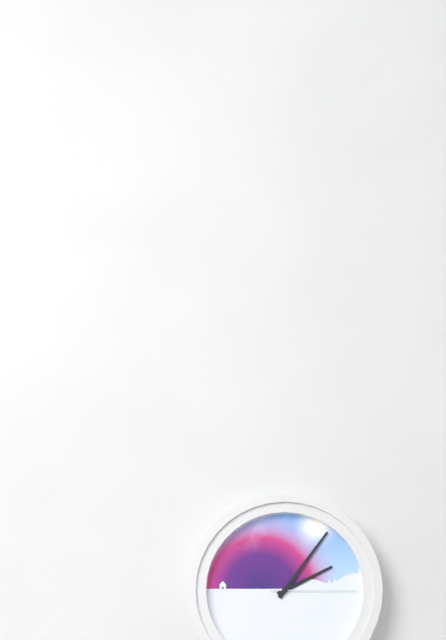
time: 2:06:15
